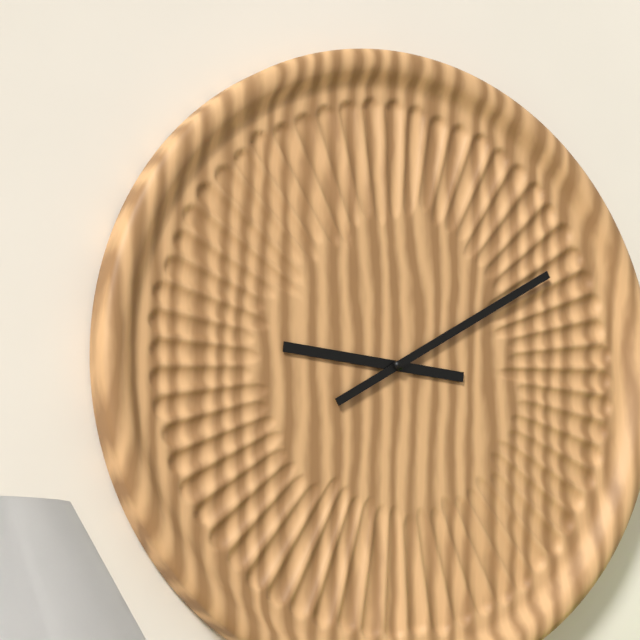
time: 9:10
